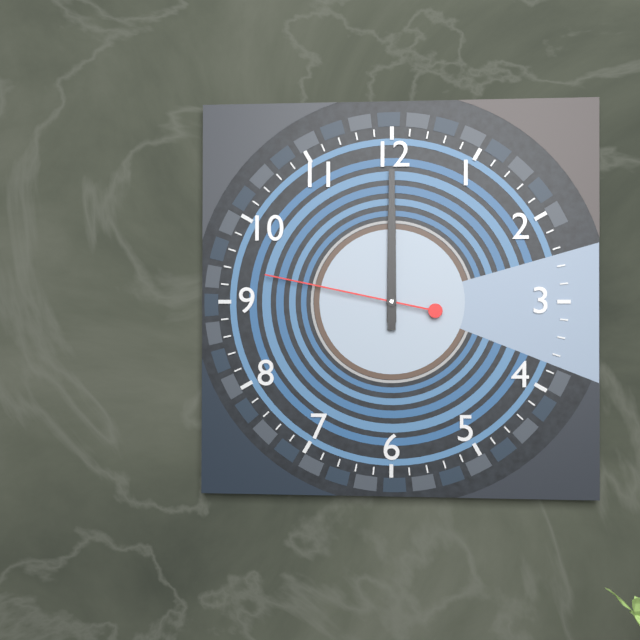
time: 12:00:47
